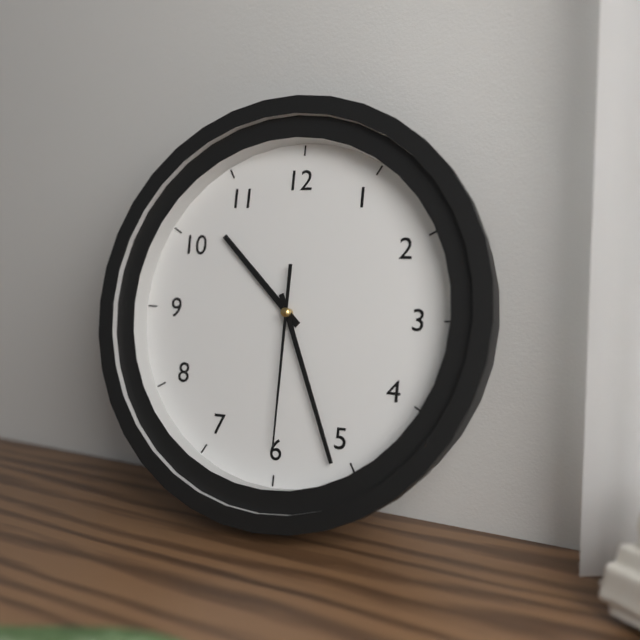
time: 10:26:30
